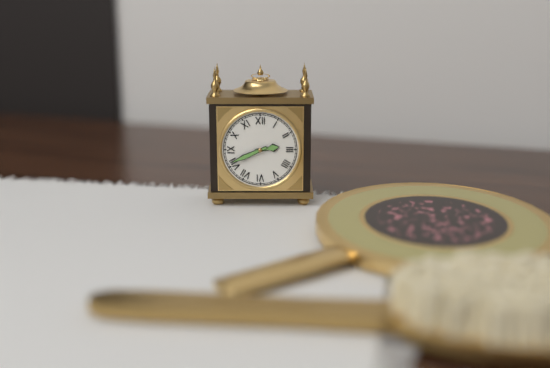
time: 2:41
